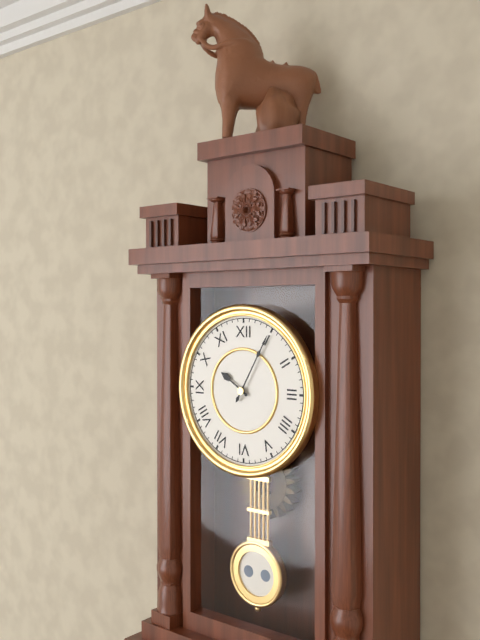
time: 10:05
